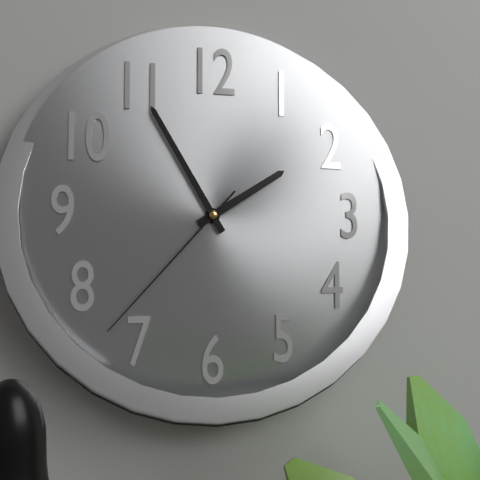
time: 1:55:37
